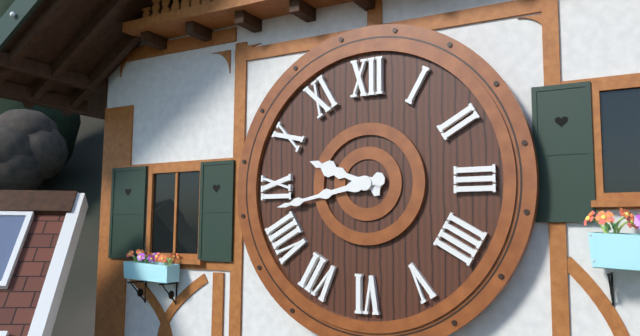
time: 9:43
